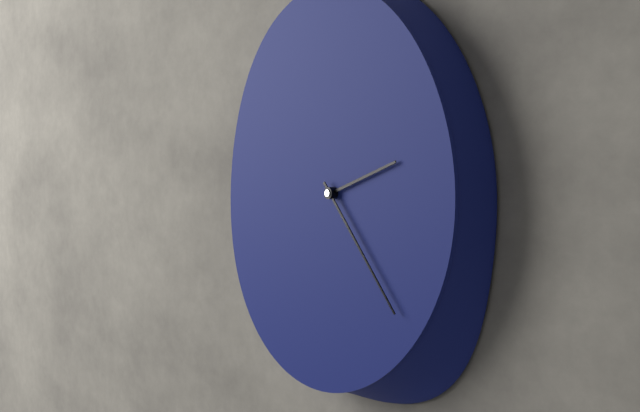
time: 2:23
